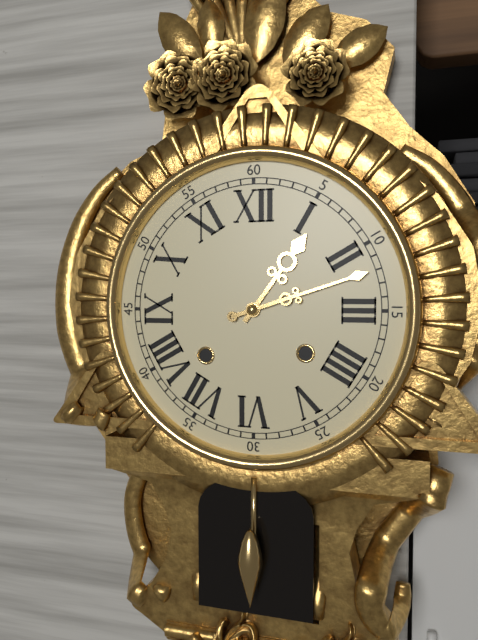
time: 1:12
